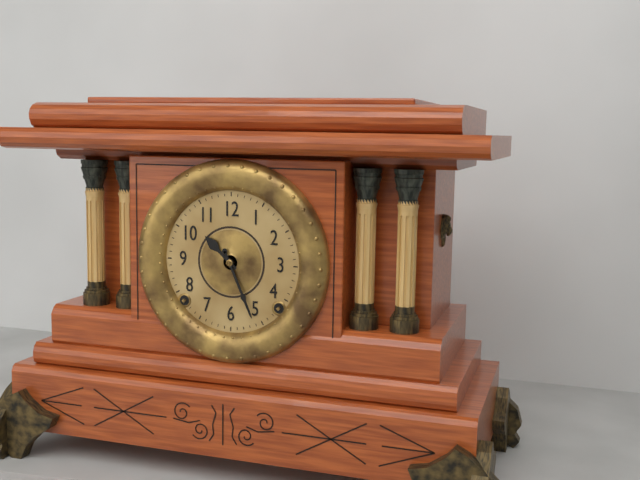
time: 10:26
